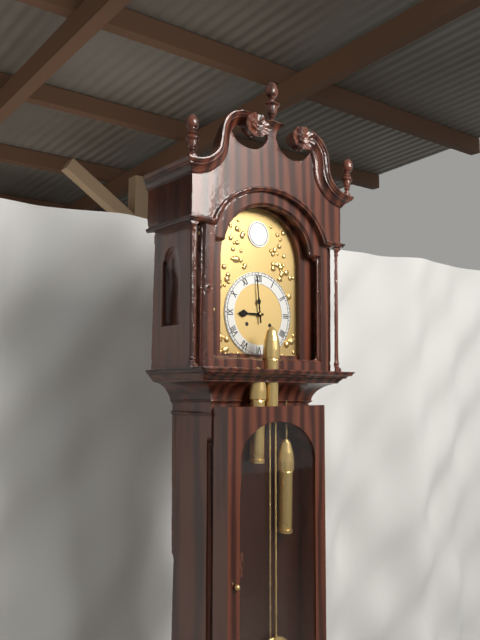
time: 8:59
